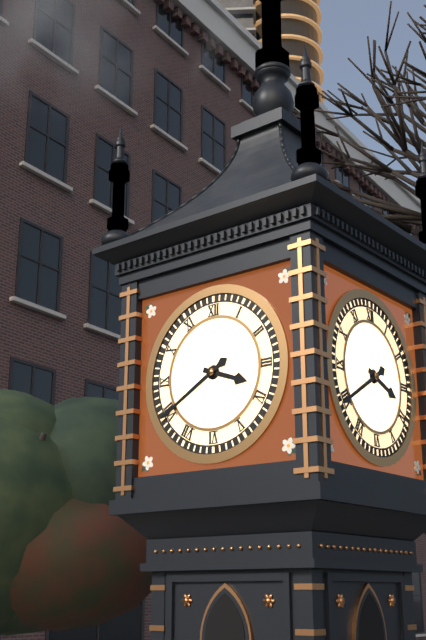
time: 3:40
